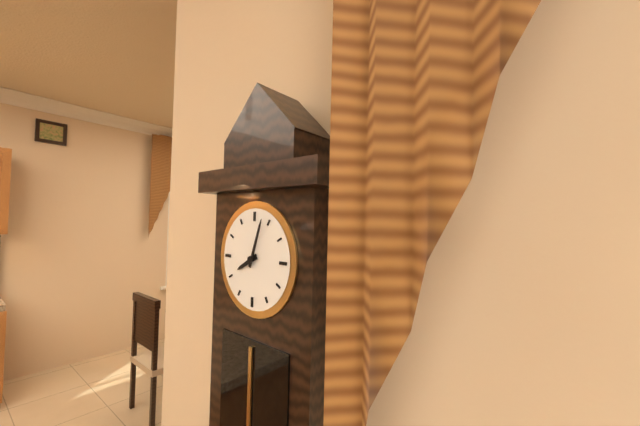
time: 8:03
